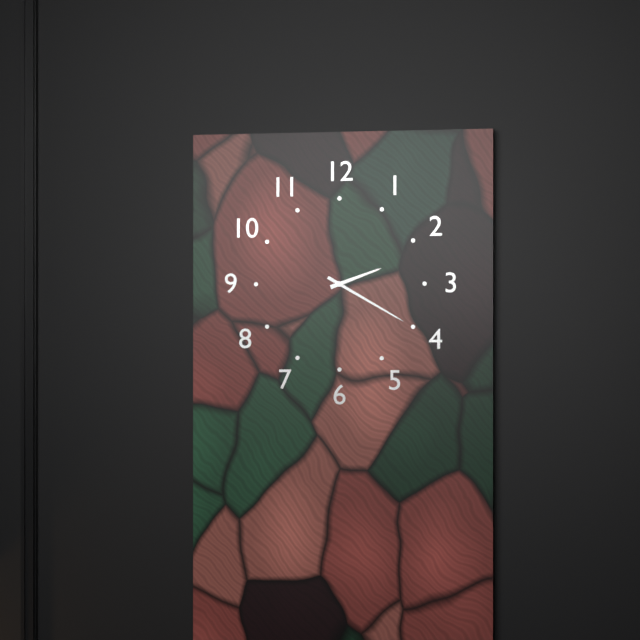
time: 2:20
